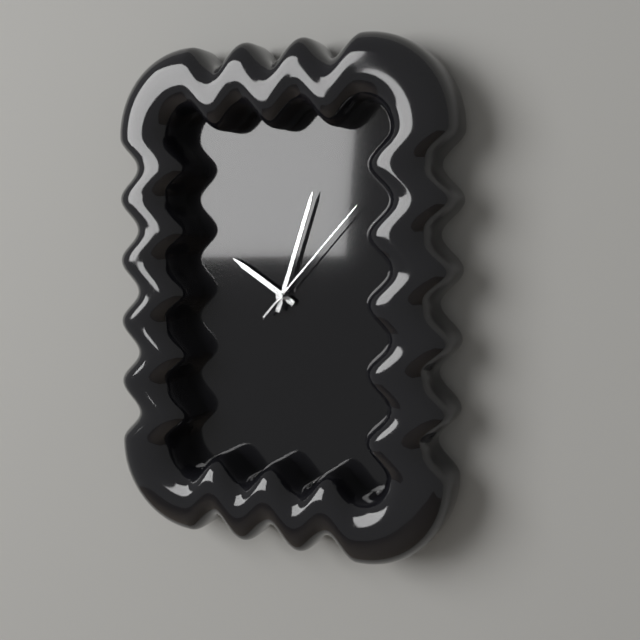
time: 10:03:07
